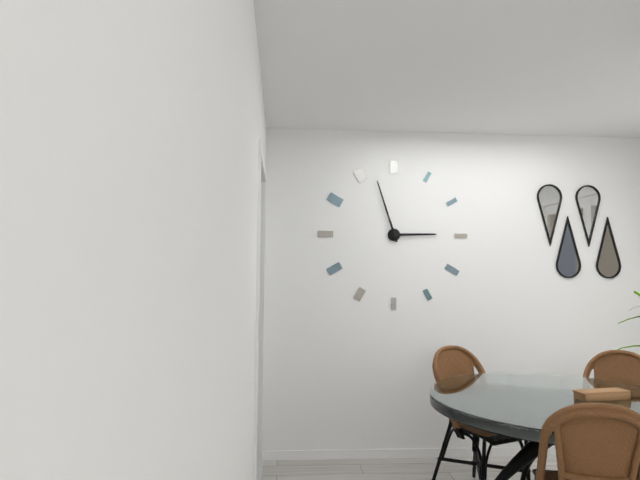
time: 2:57
